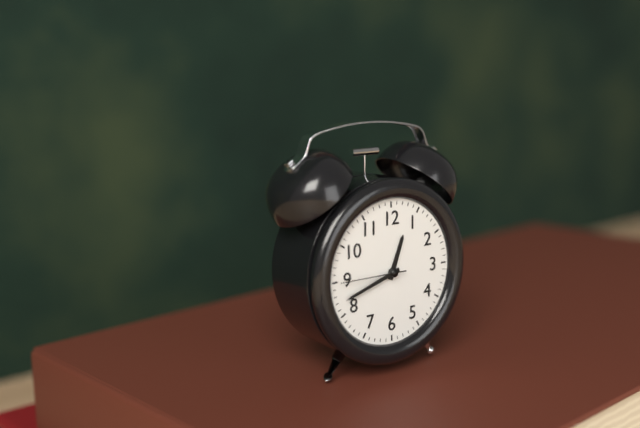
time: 12:42:45
